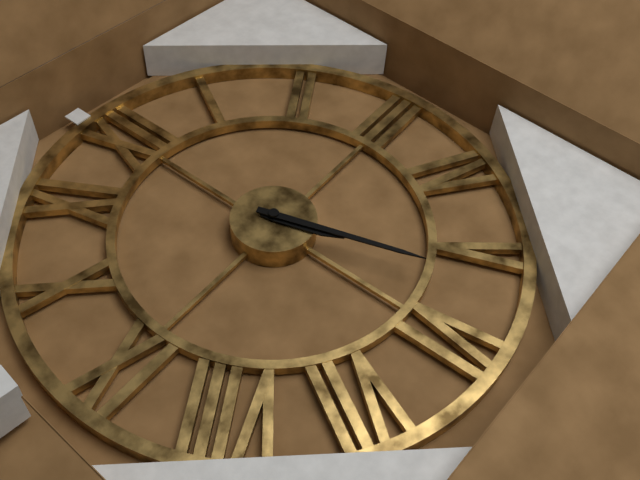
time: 5:27
